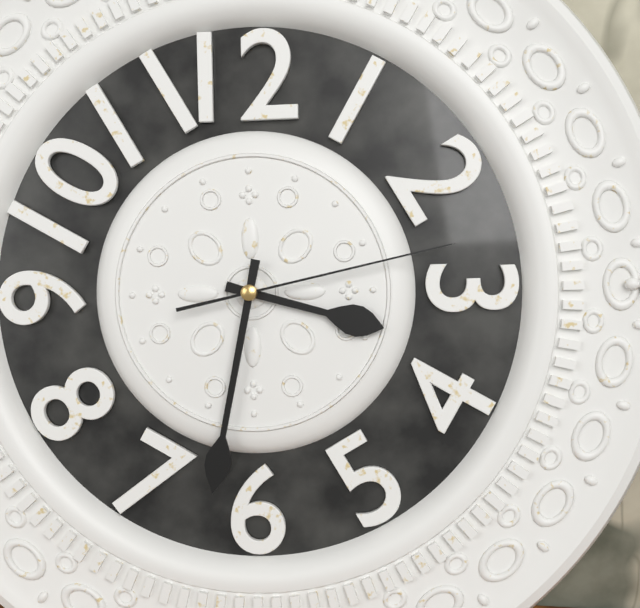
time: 3:32:13
